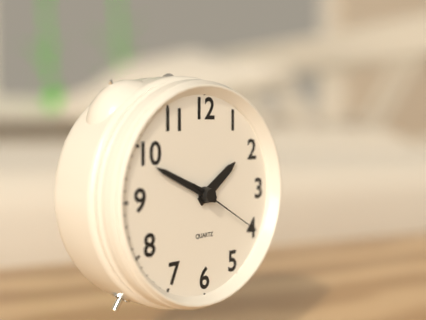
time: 1:49:20
